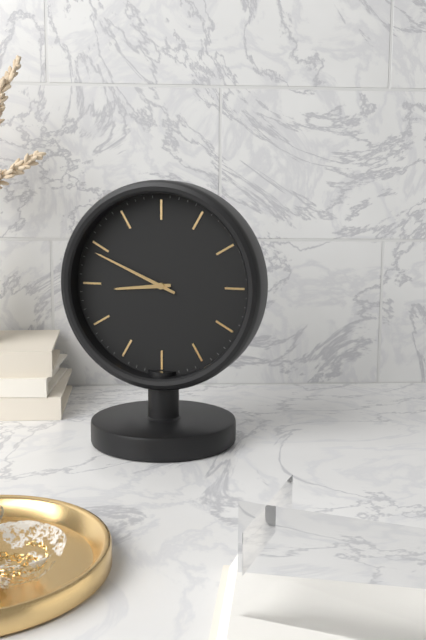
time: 8:49
